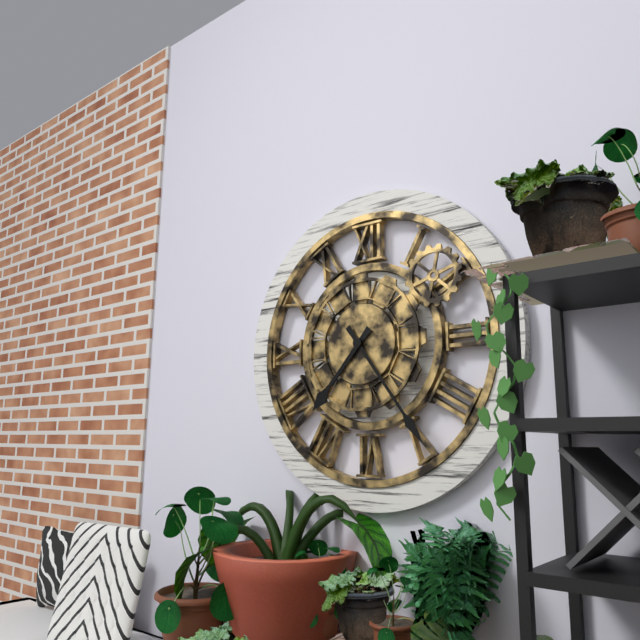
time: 7:24
